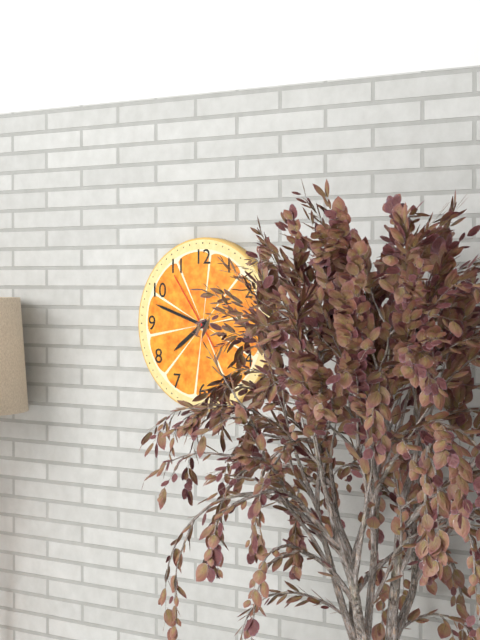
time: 7:48:54
